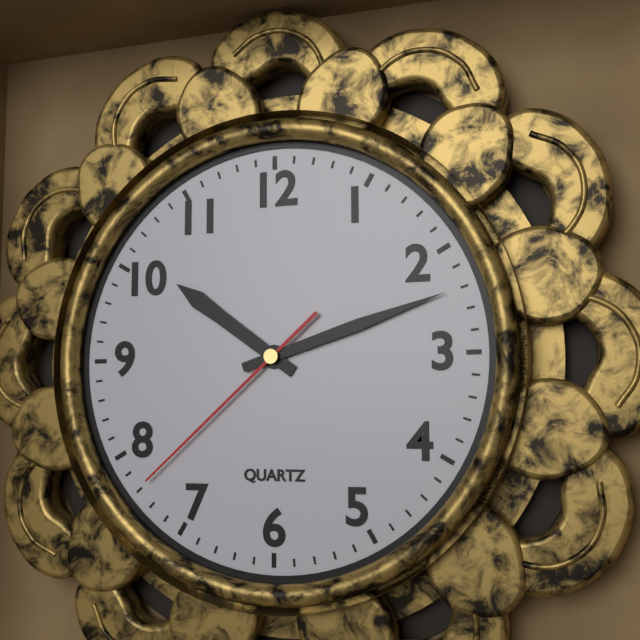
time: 10:12:38
